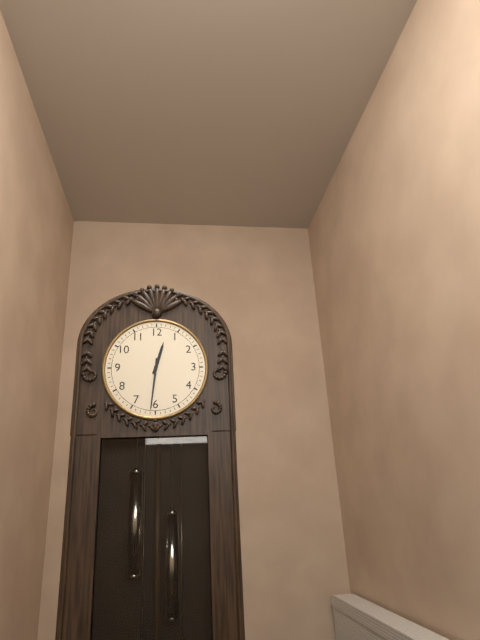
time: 12:31
